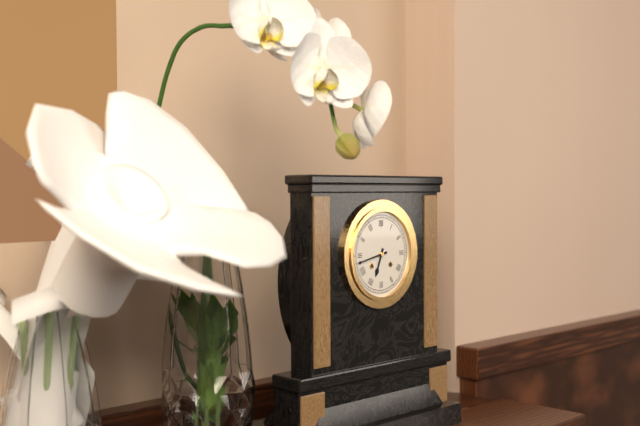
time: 6:43
